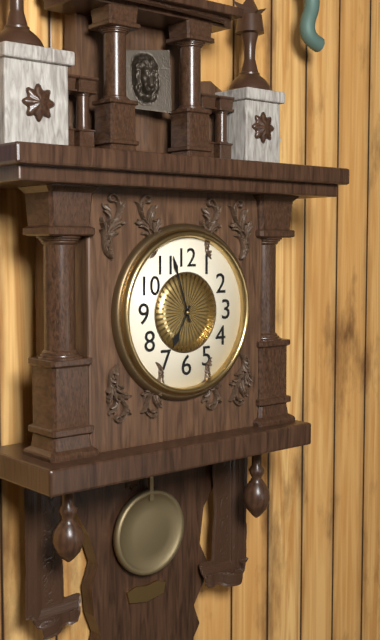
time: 6:57
